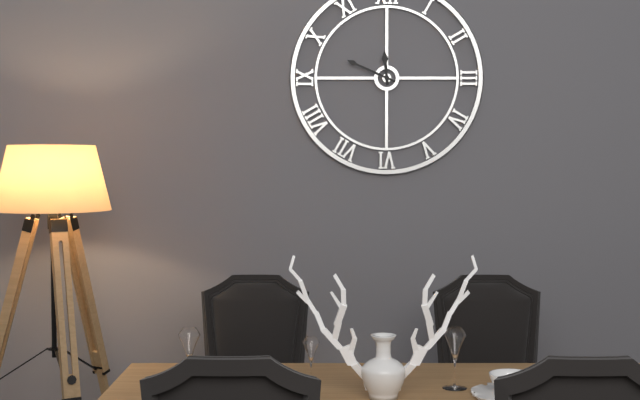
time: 11:49
